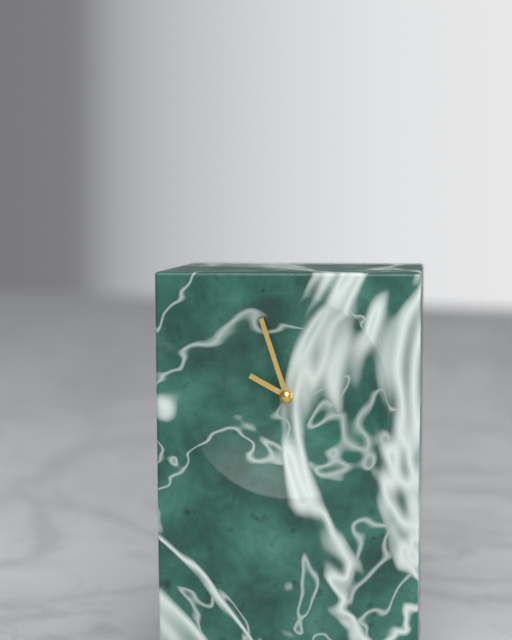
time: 9:57
